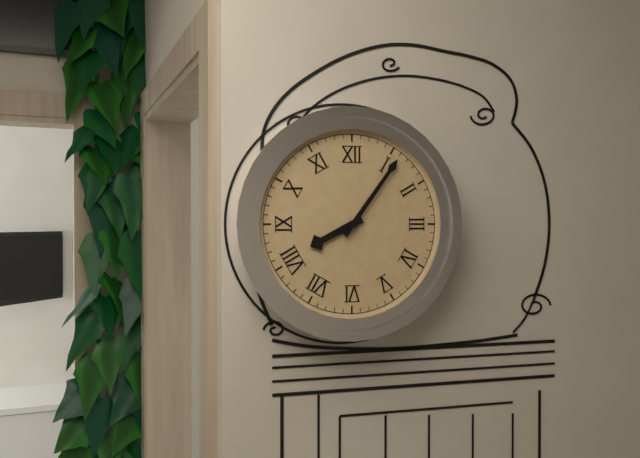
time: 8:06
